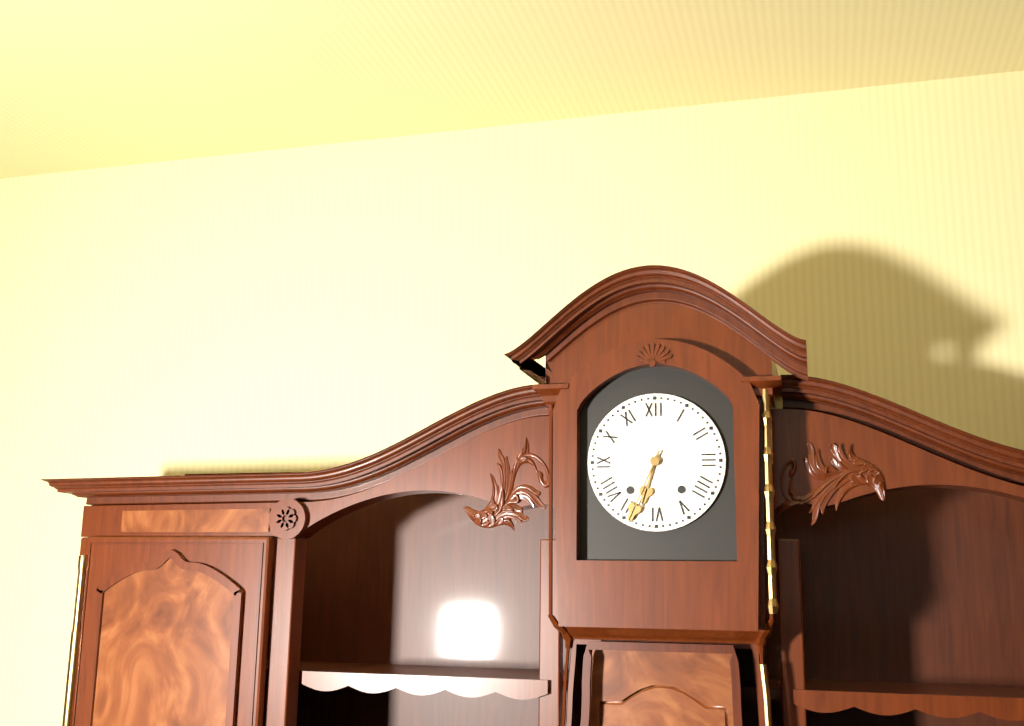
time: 6:34
